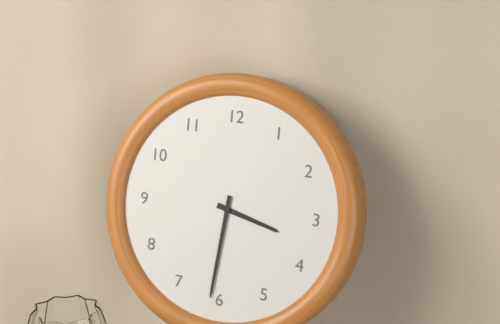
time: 3:31
